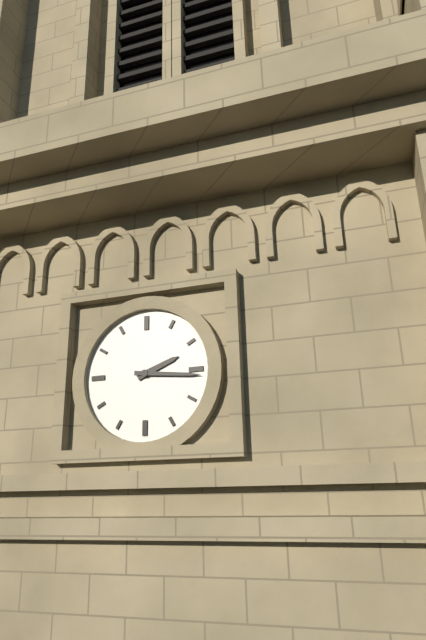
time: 2:16
